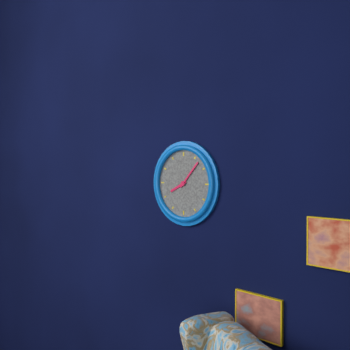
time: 8:07
